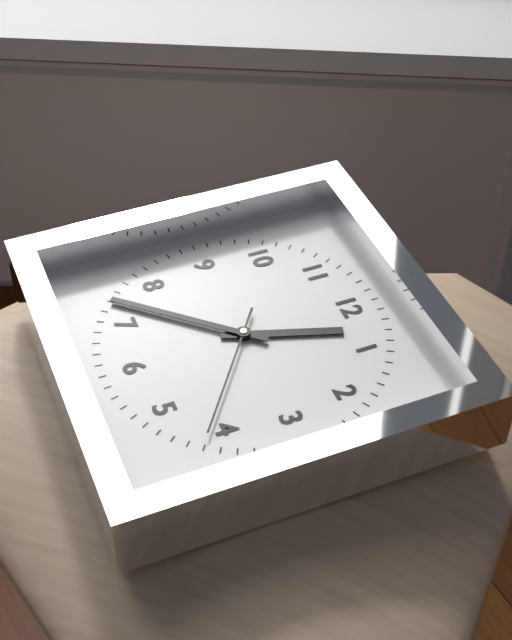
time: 12:37:21
